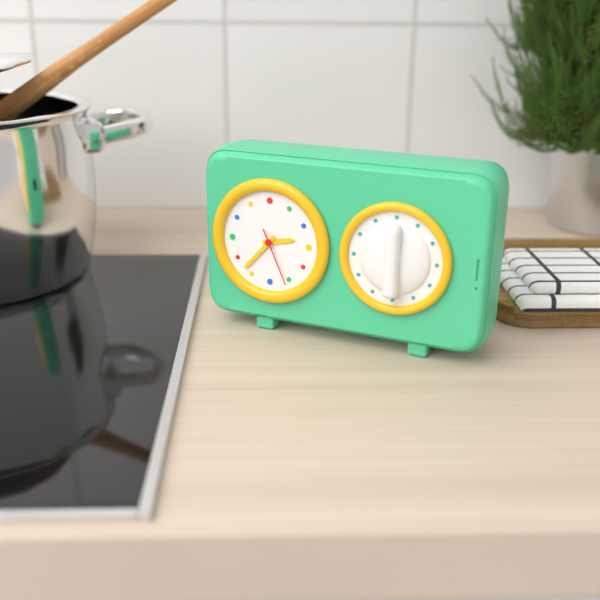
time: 2:37:26
